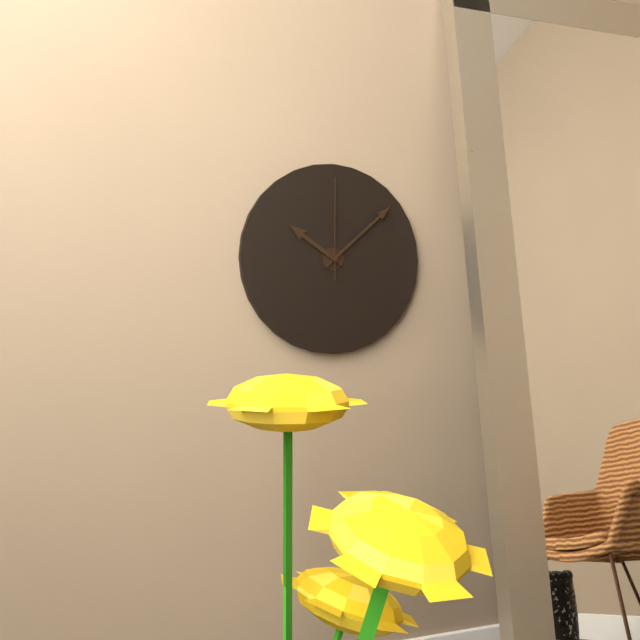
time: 10:08:00
